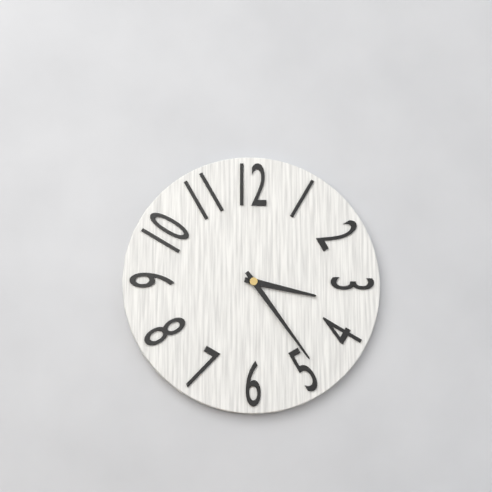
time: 3:24
